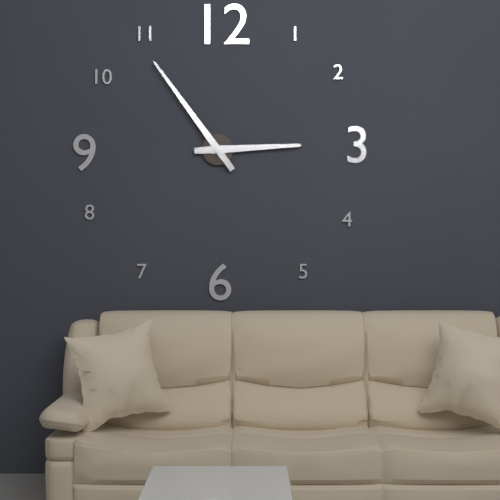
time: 2:54
